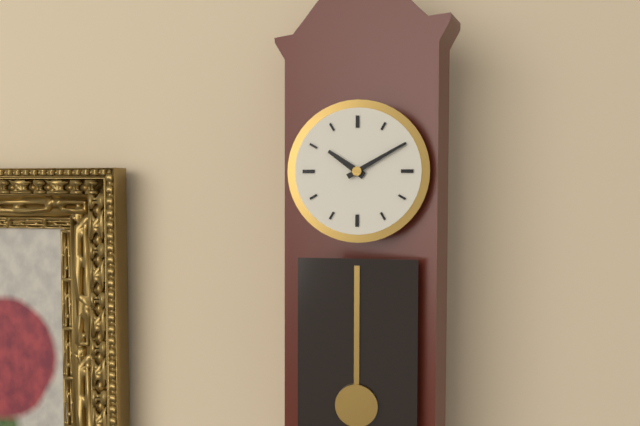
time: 10:10
